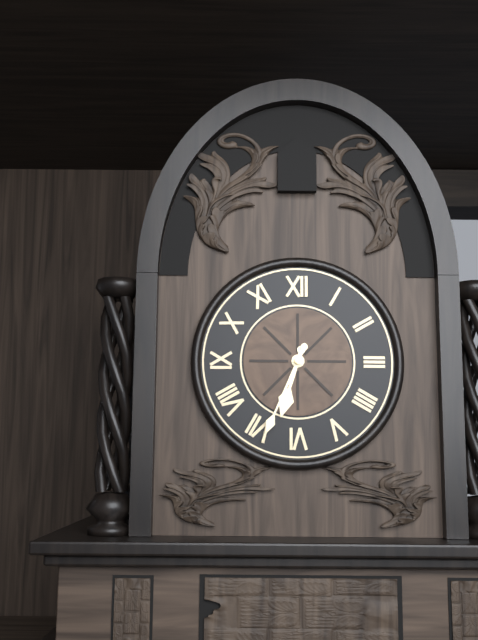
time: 6:34
